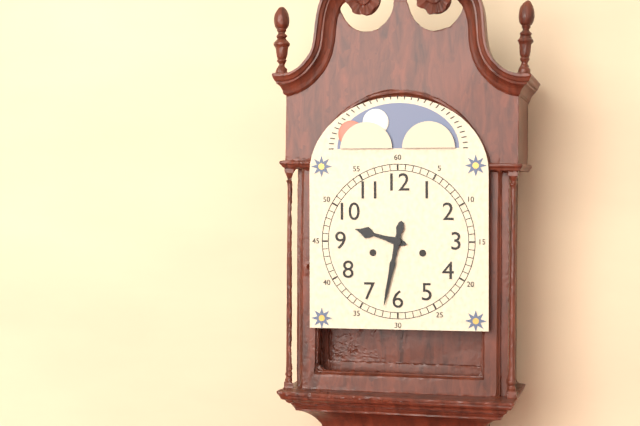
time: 9:32
